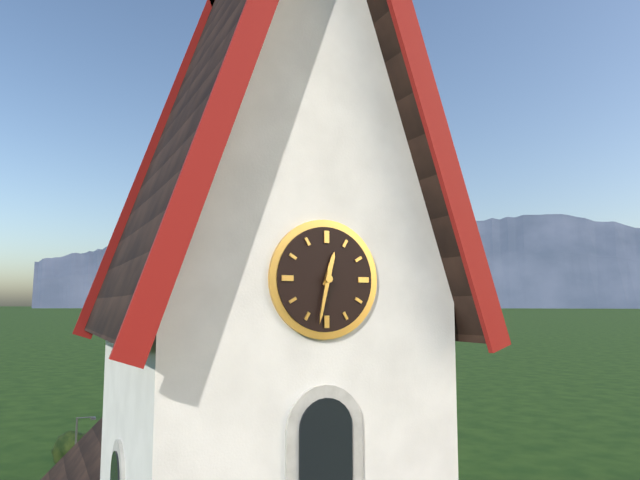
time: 12:32
